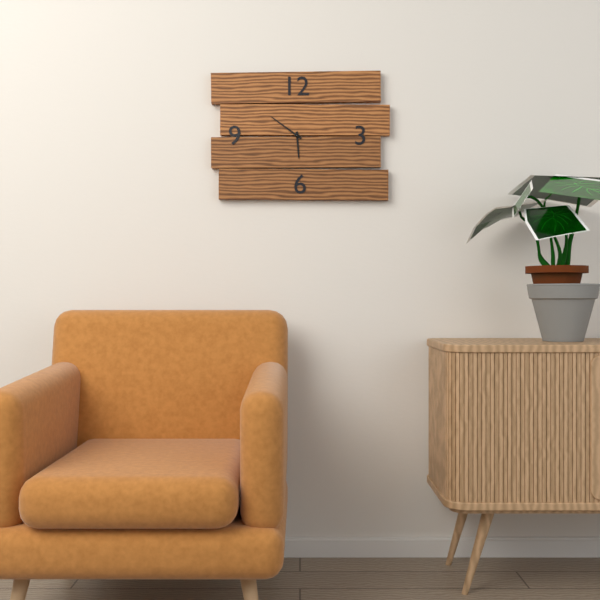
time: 5:51
